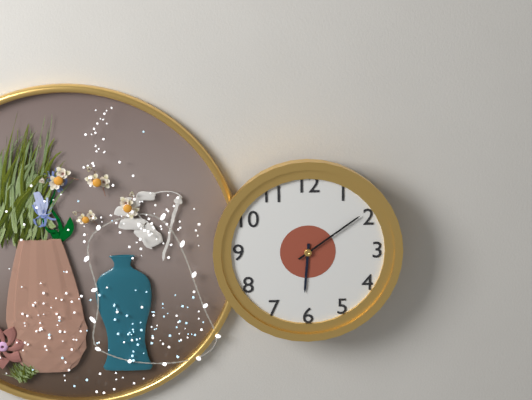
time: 6:09
